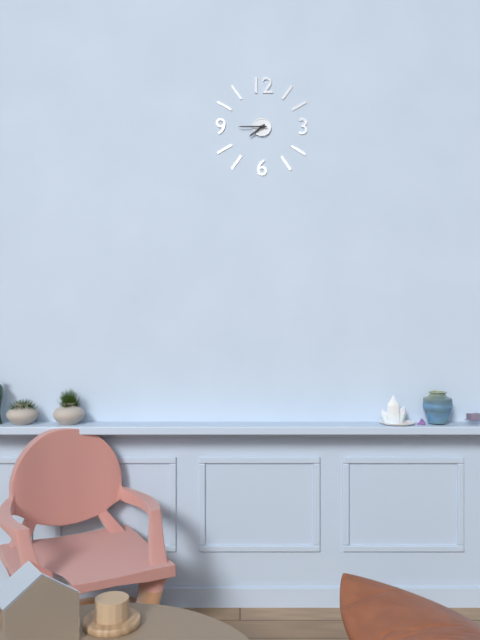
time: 7:45
